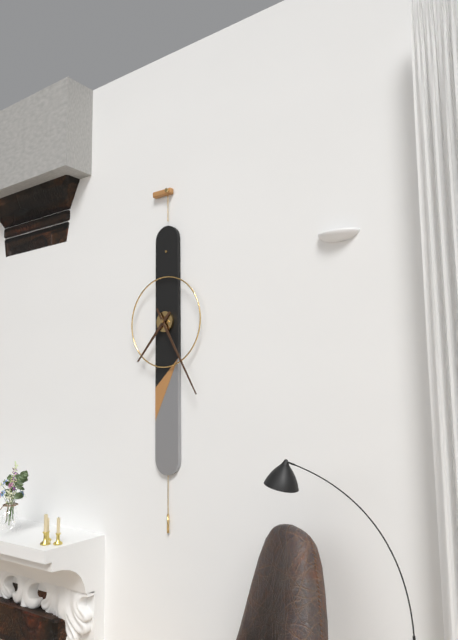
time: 7:25
